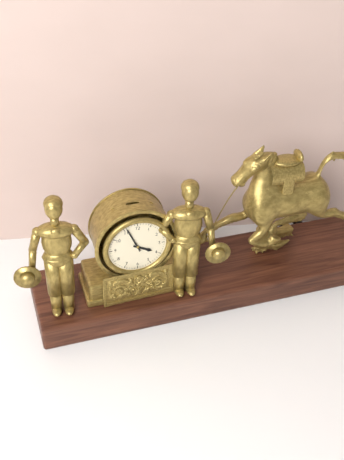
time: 3:56
